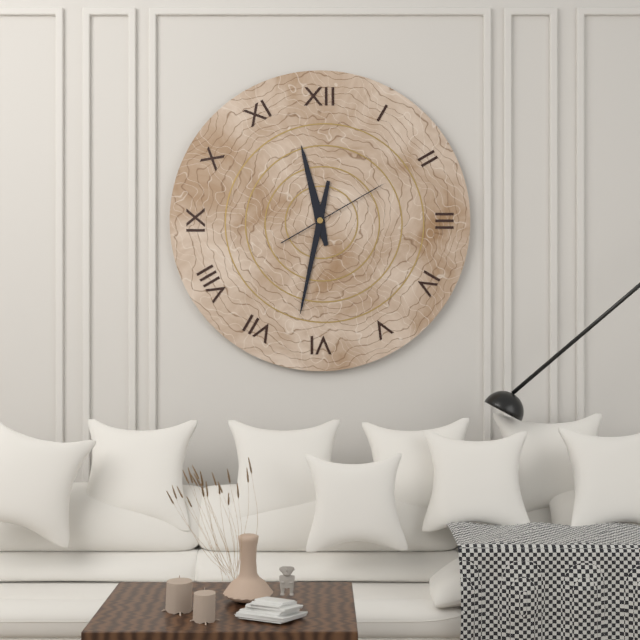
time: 11:32:10
